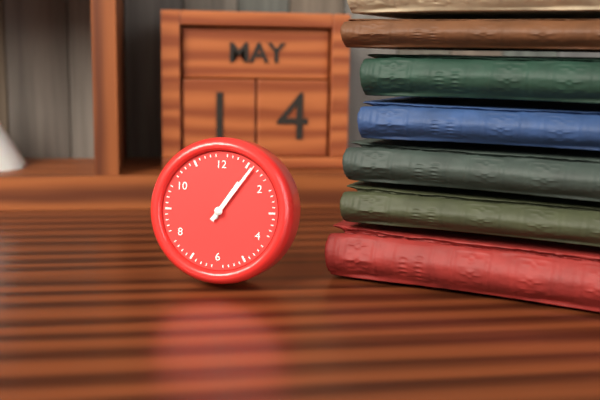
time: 1:06
